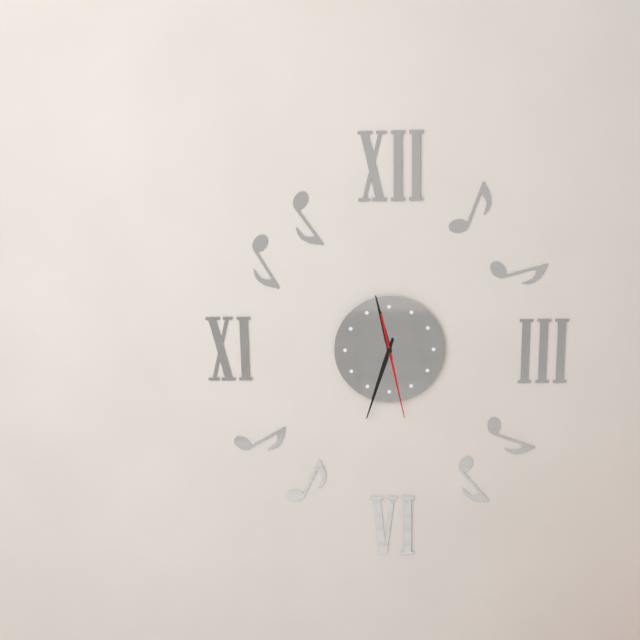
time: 11:33:28
